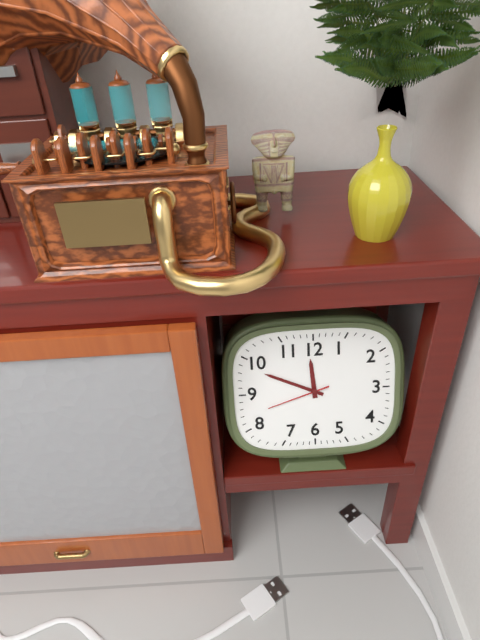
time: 11:49:42
